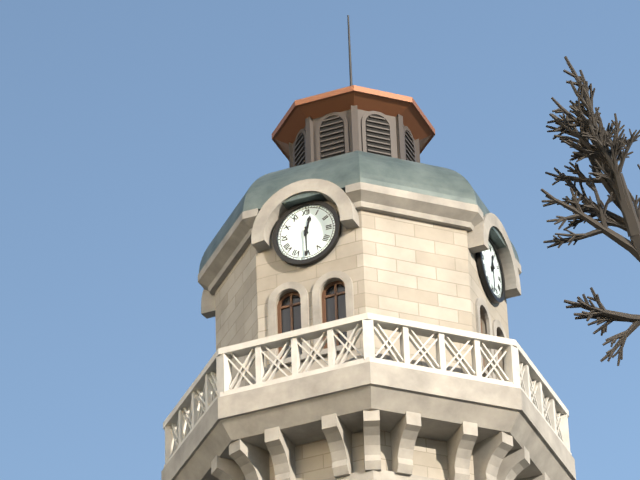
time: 12:30
